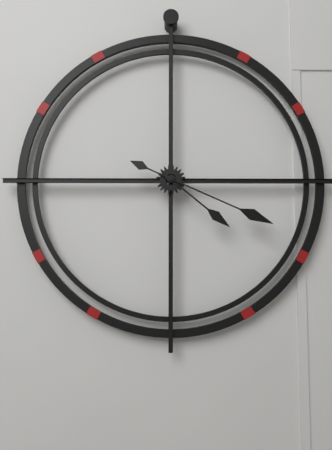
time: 4:19
